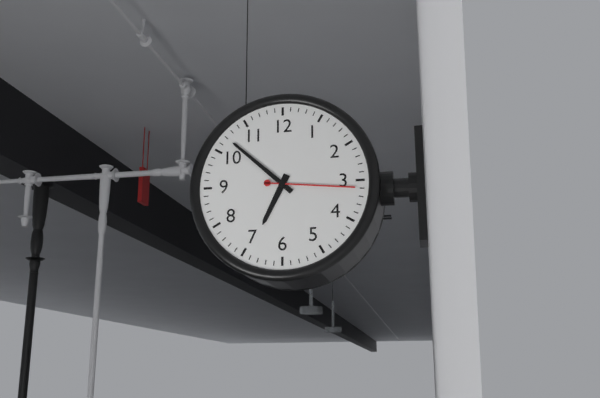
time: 6:52:16
